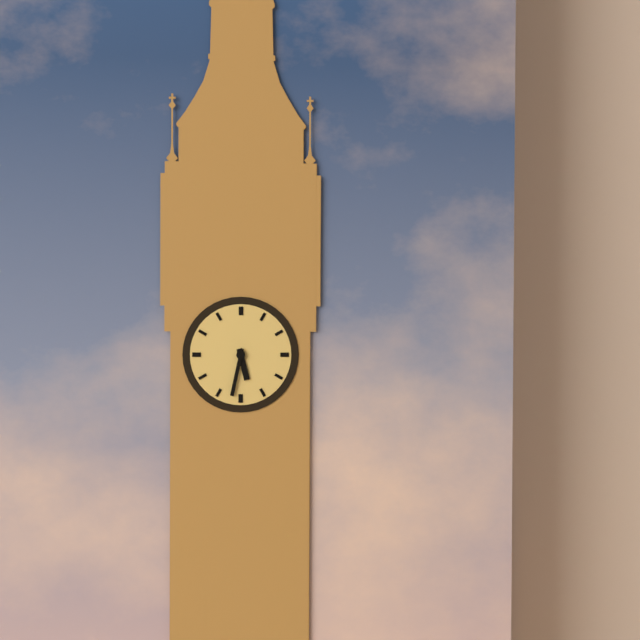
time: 5:32
